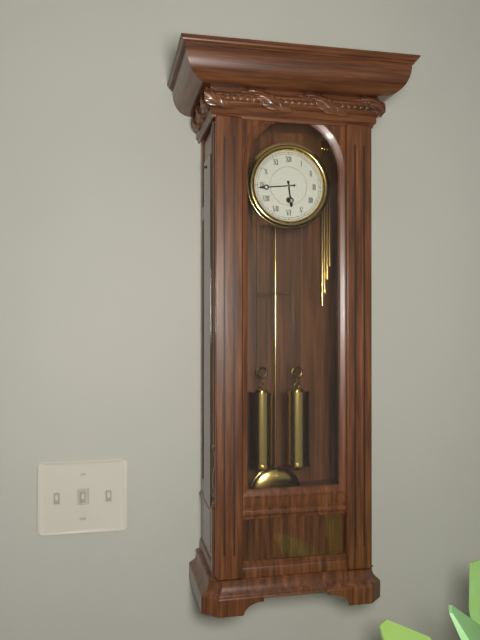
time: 5:44
